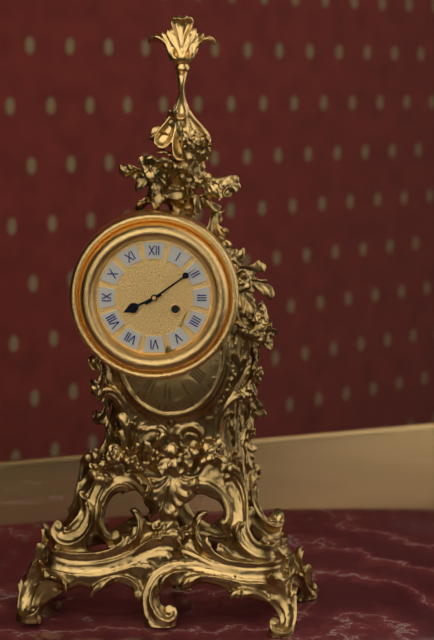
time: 8:09
